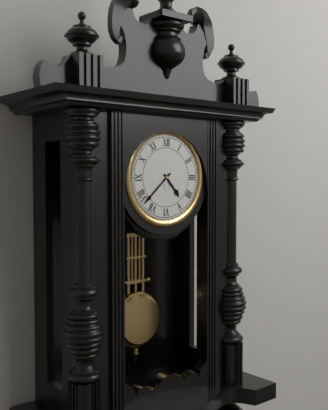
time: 4:38
